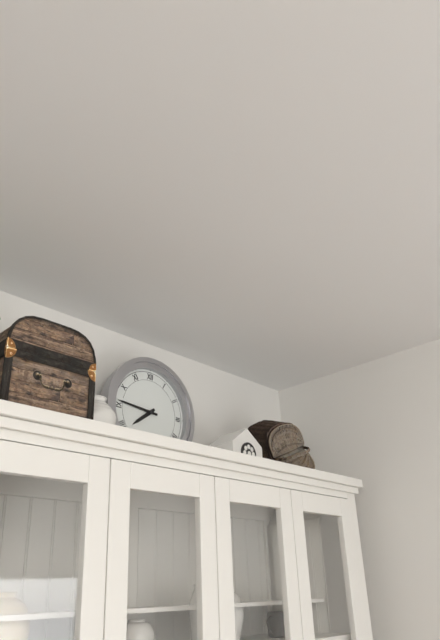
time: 7:46
